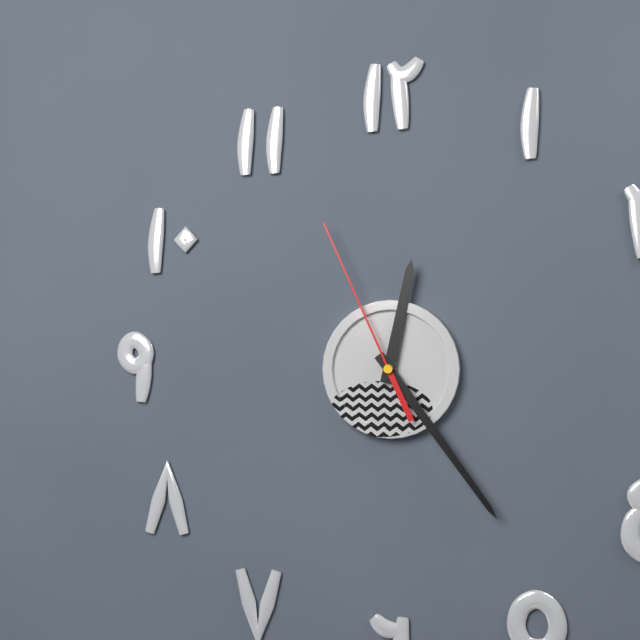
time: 12:24:56
